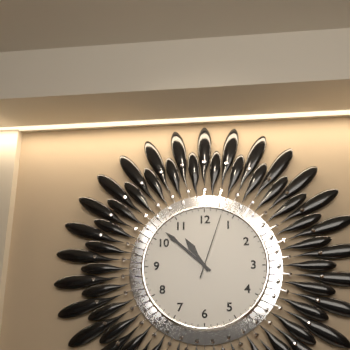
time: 10:52:03
